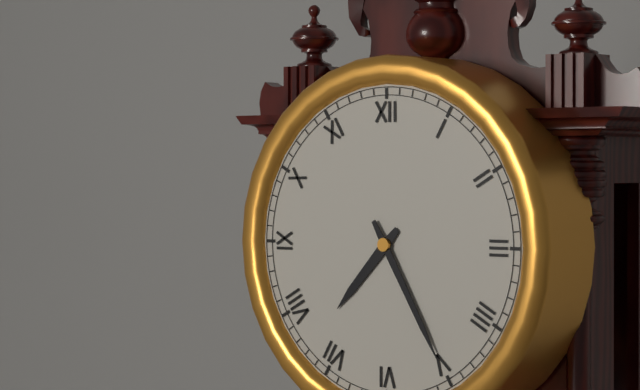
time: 7:25
